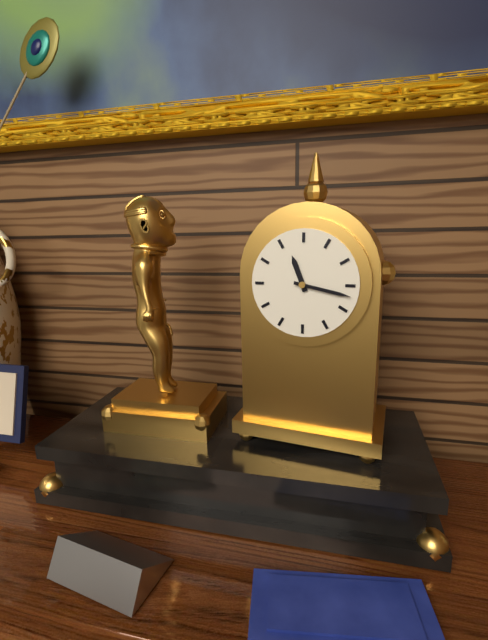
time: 11:17
